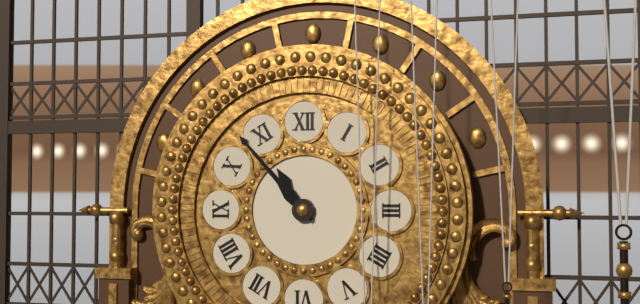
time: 10:53
